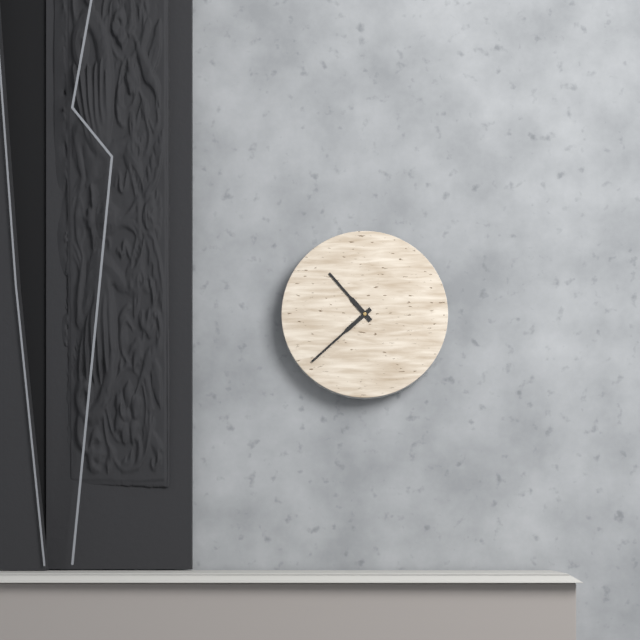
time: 10:38
